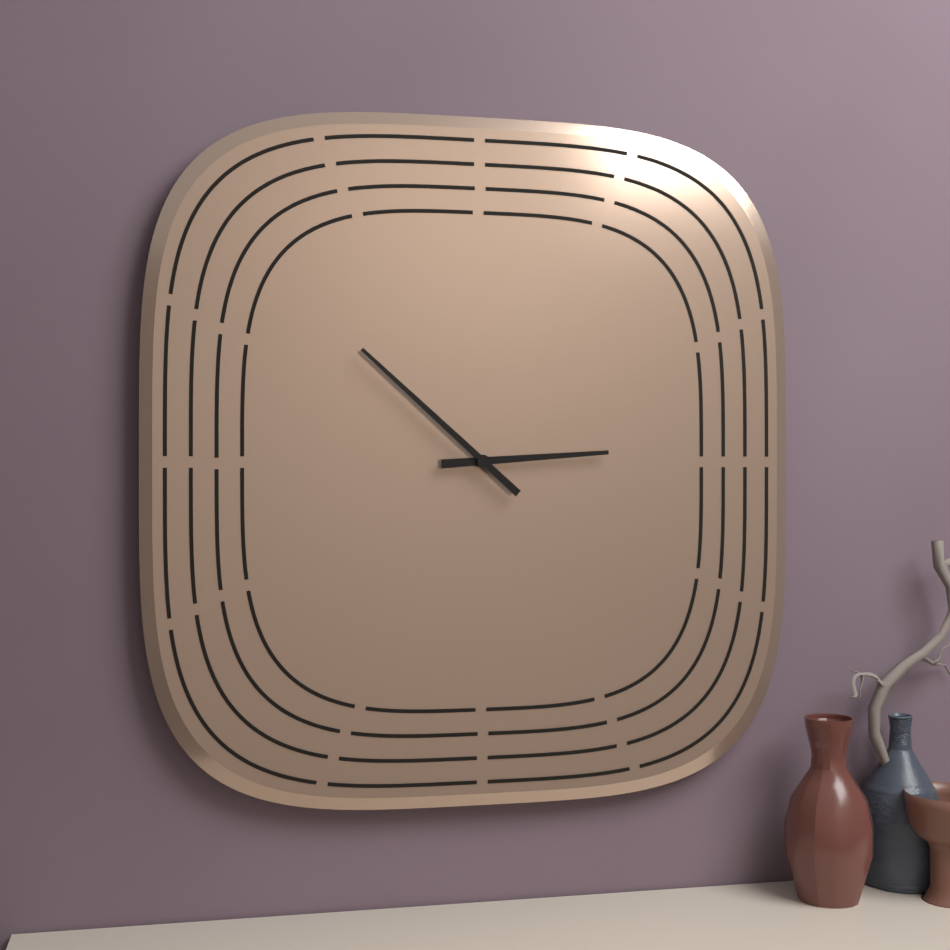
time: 2:52
